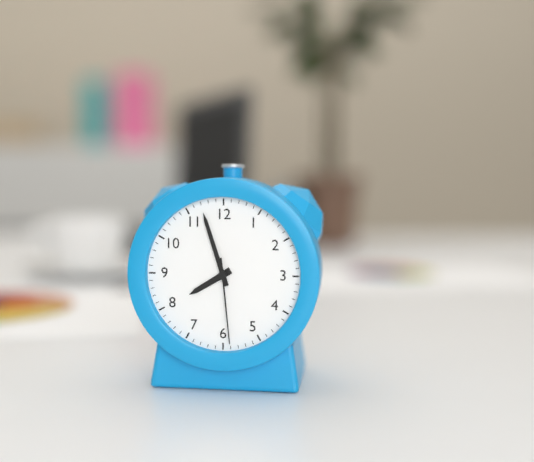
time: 7:57:29
